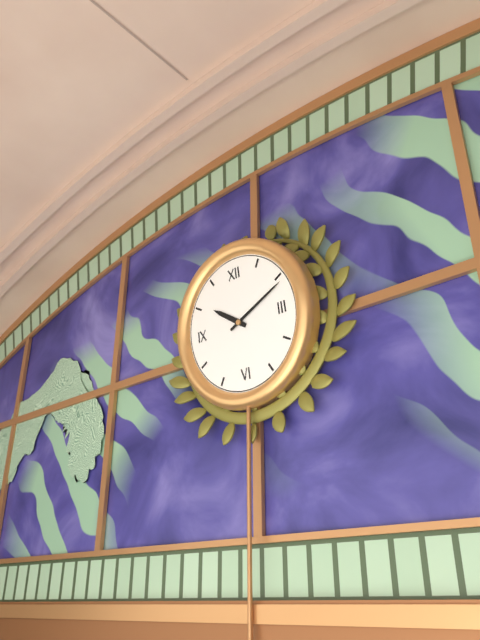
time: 10:11
